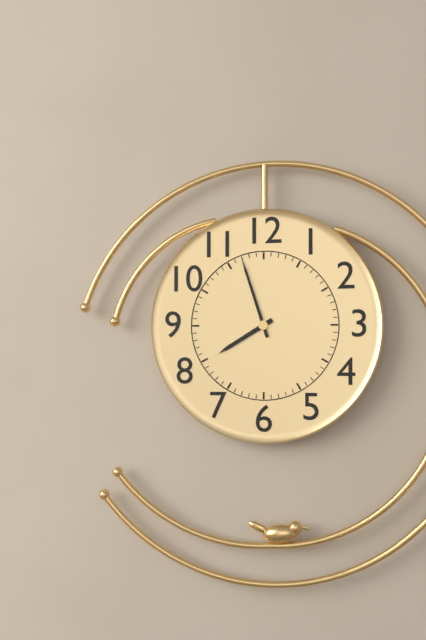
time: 7:57
